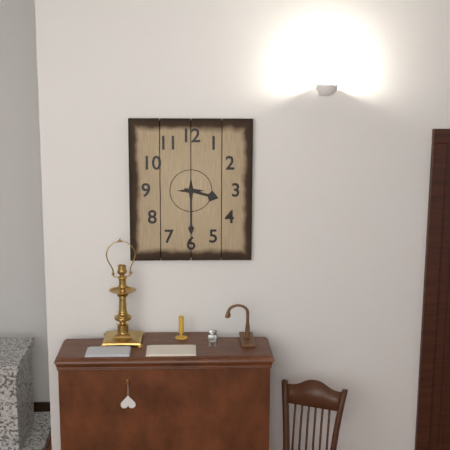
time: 3:30
